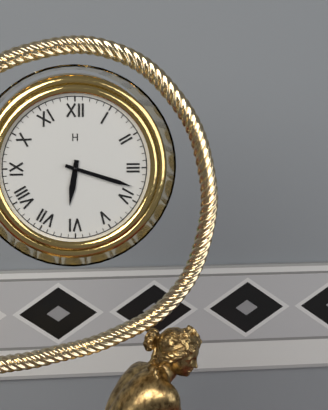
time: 6:18
